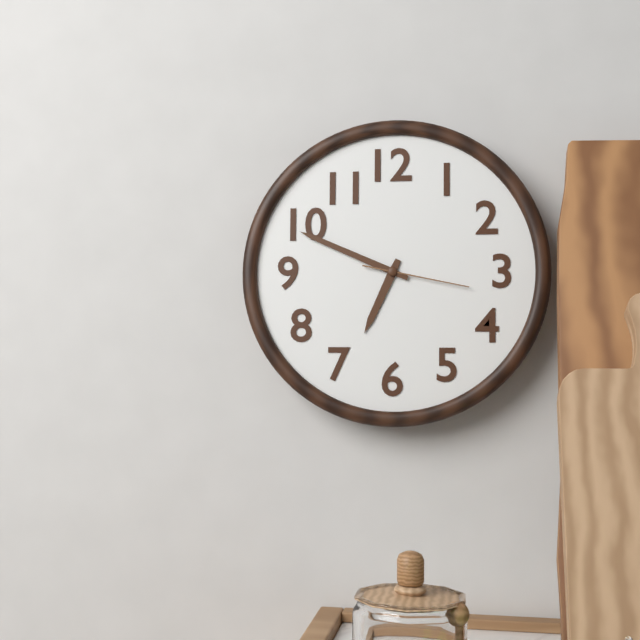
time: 6:49:17
